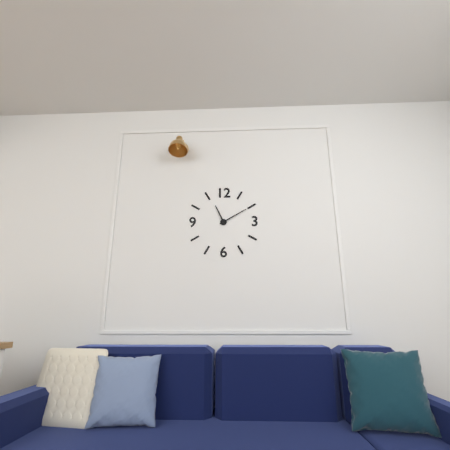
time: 11:10
